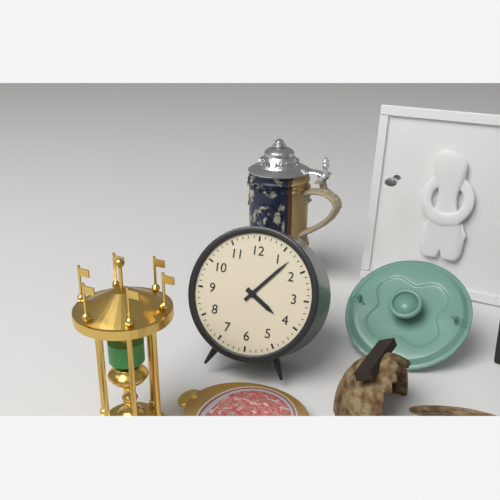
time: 4:07
